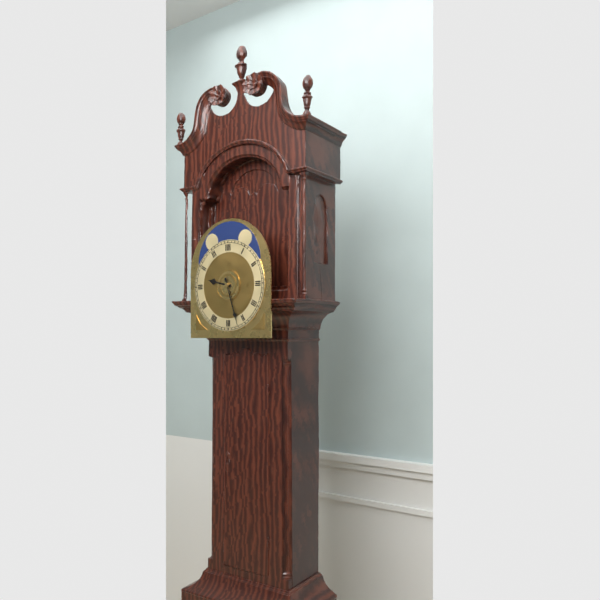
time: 9:27
